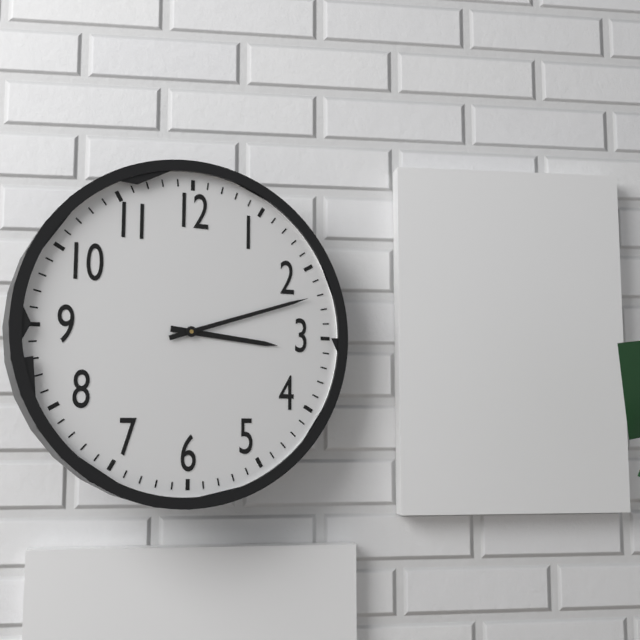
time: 3:12
